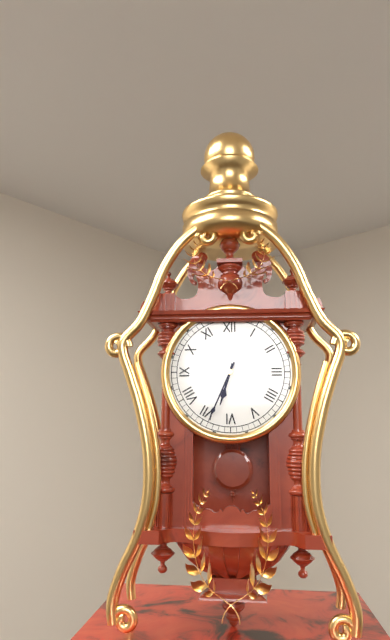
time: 6:34
